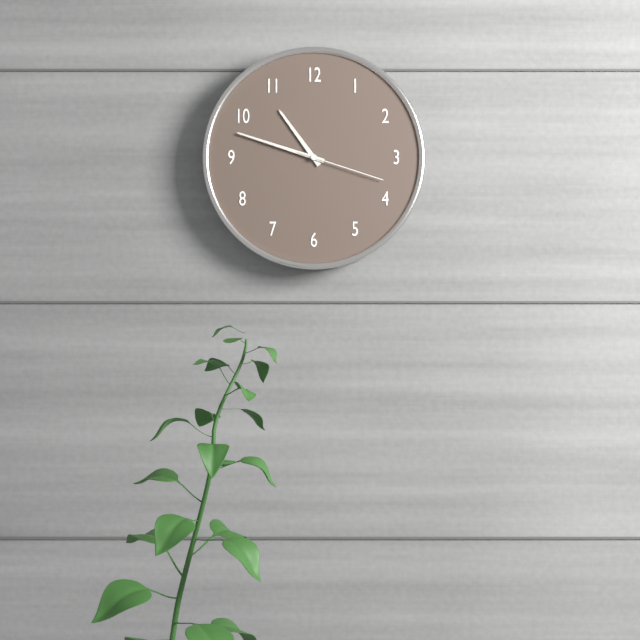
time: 10:48:18
